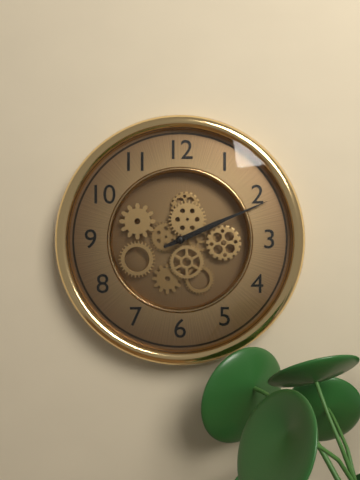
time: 2:11
